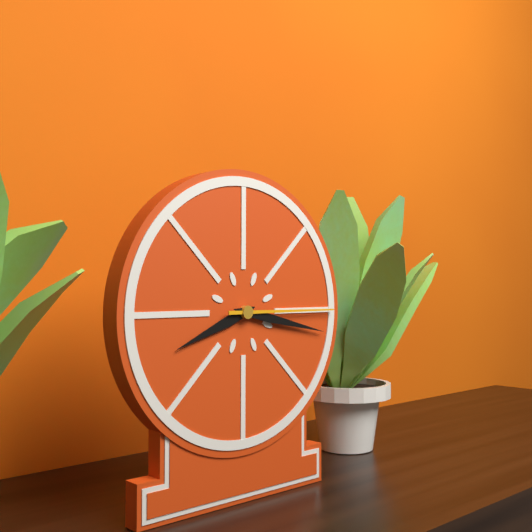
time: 8:17:15
